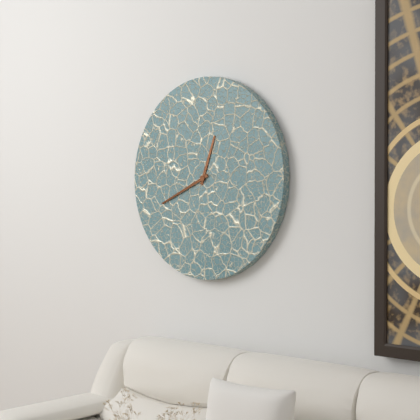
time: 12:41
